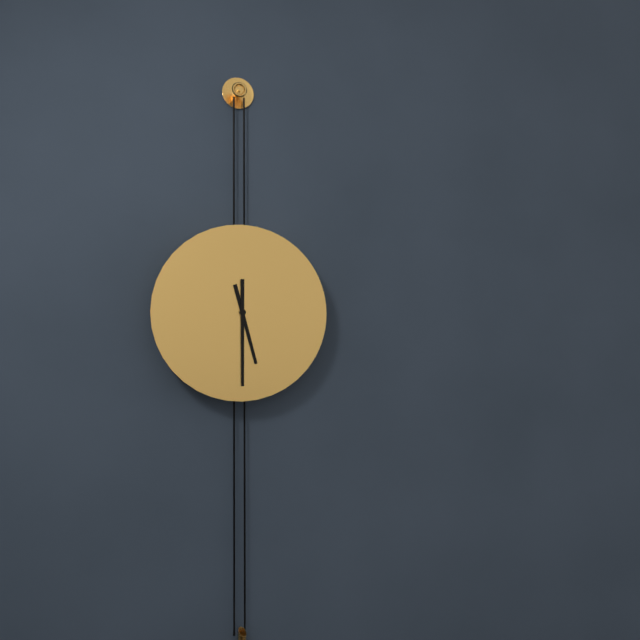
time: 5:30
